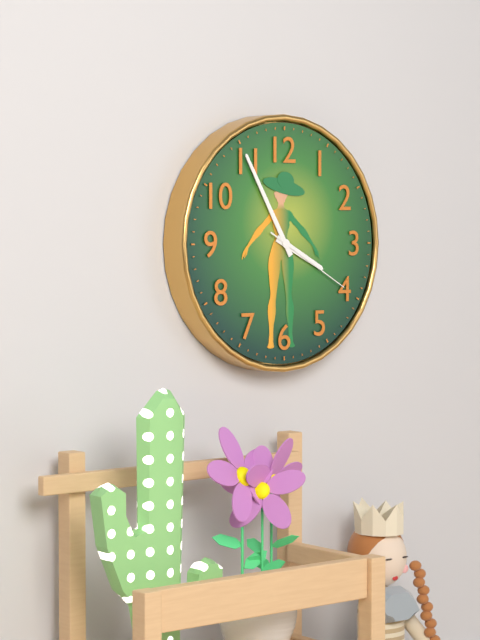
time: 3:55:20
